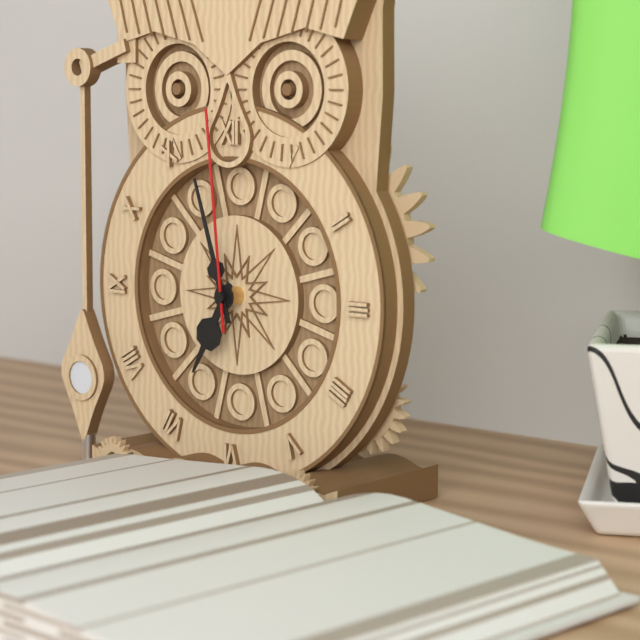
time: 6:57:59
